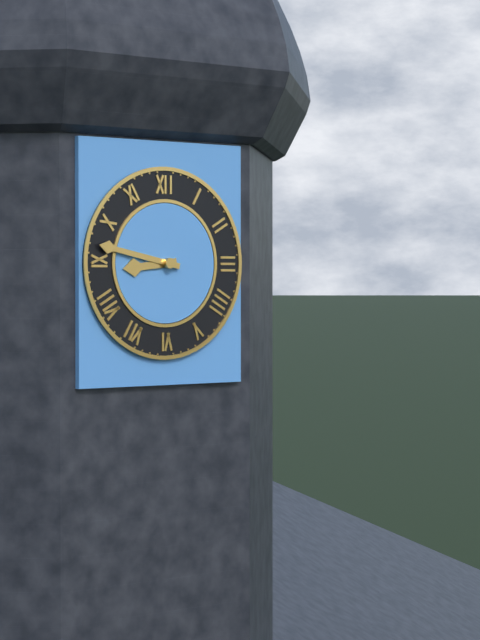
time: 8:47
